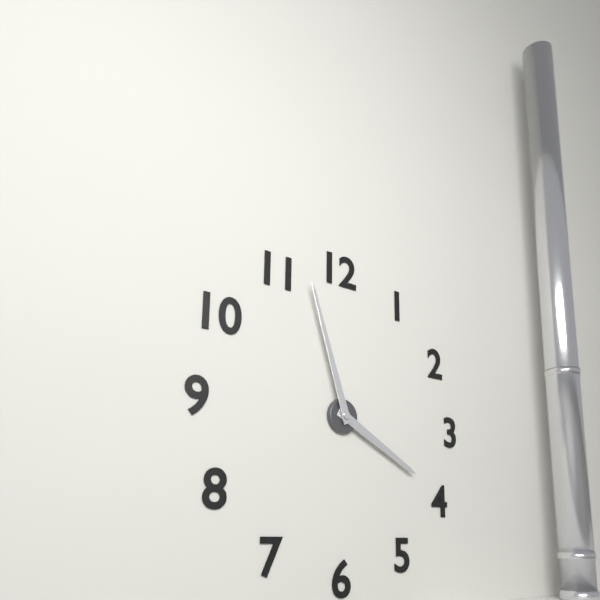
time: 3:57
